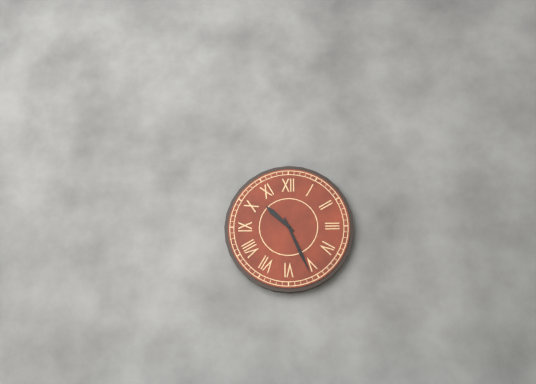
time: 10:26
